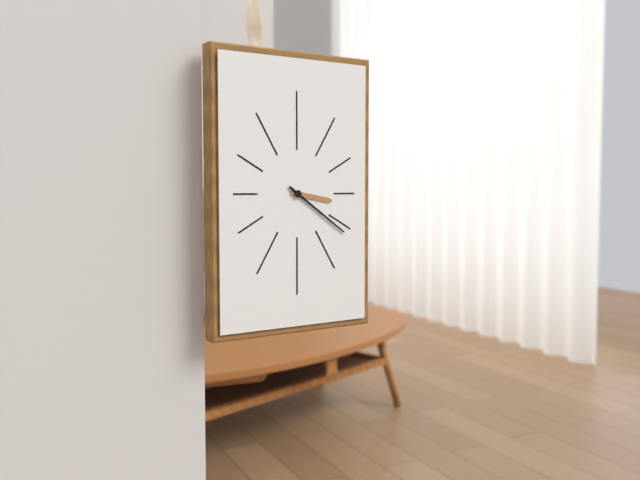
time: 3:21
